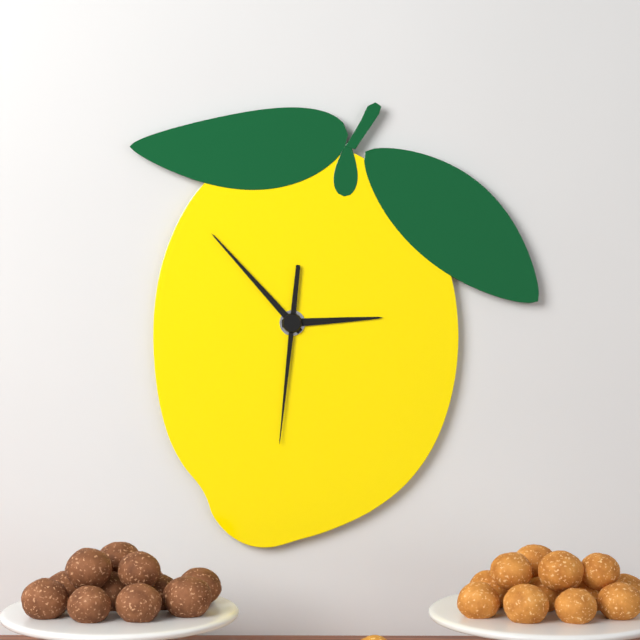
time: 2:53:31
